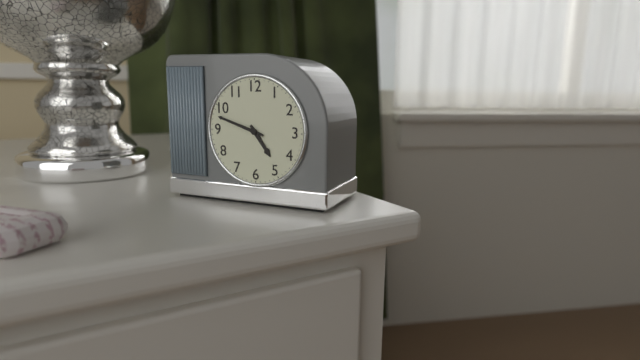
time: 4:48
